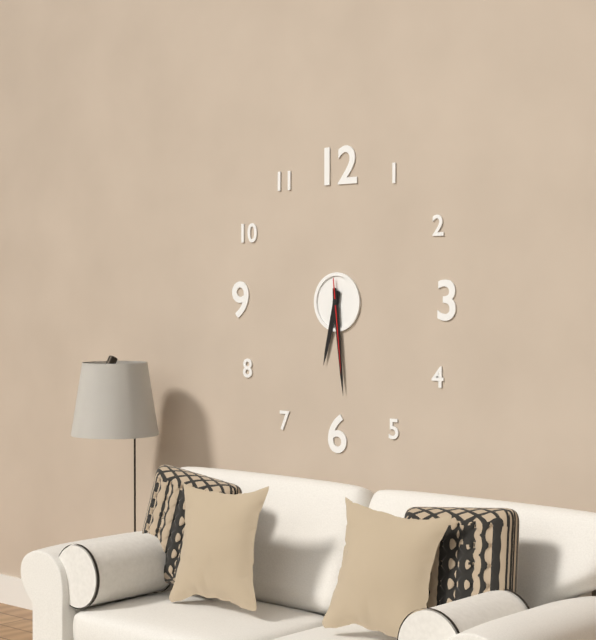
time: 6:29:29
